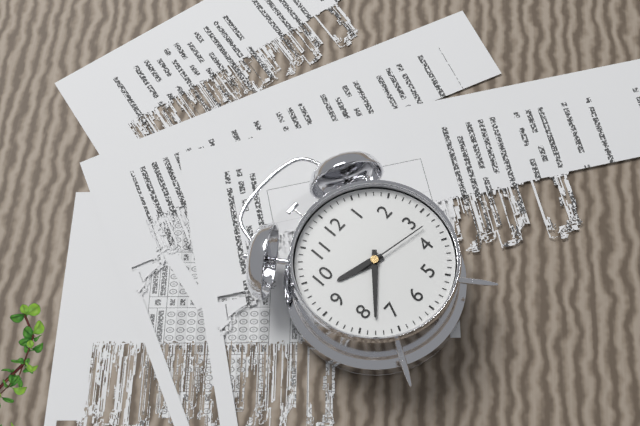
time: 9:38:17
